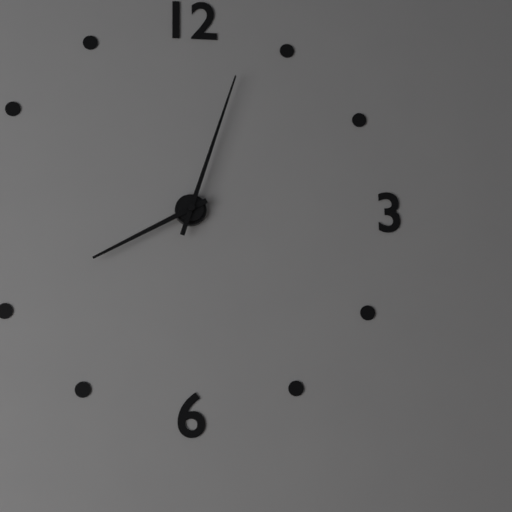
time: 8:03
